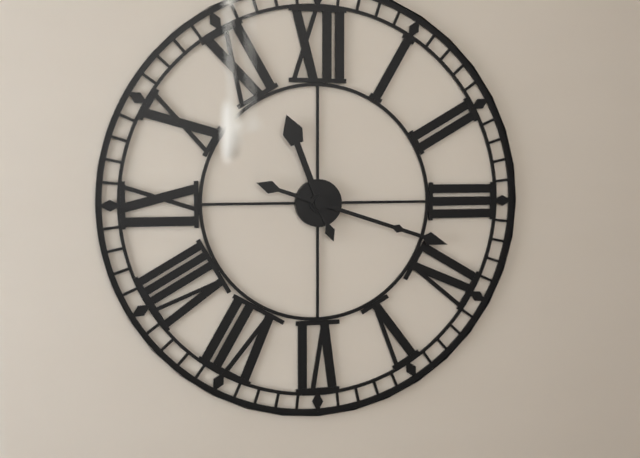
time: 11:18
